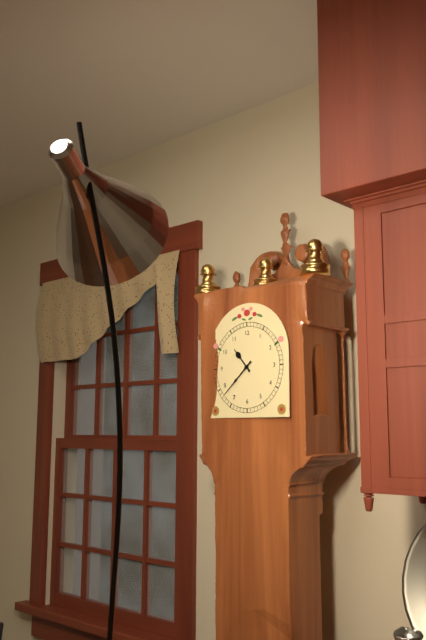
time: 10:38
